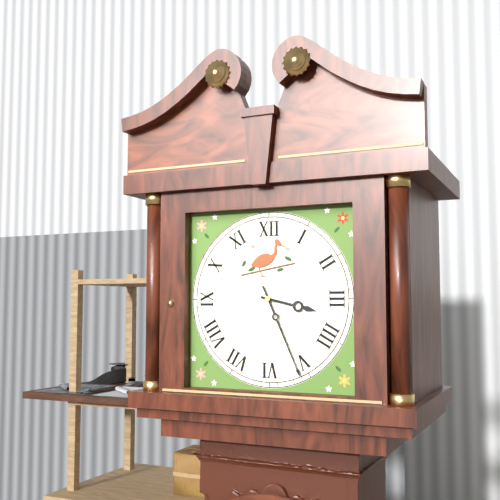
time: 3:26
